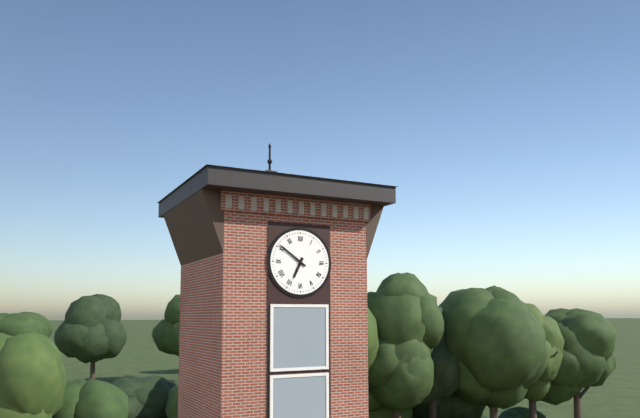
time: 6:51
